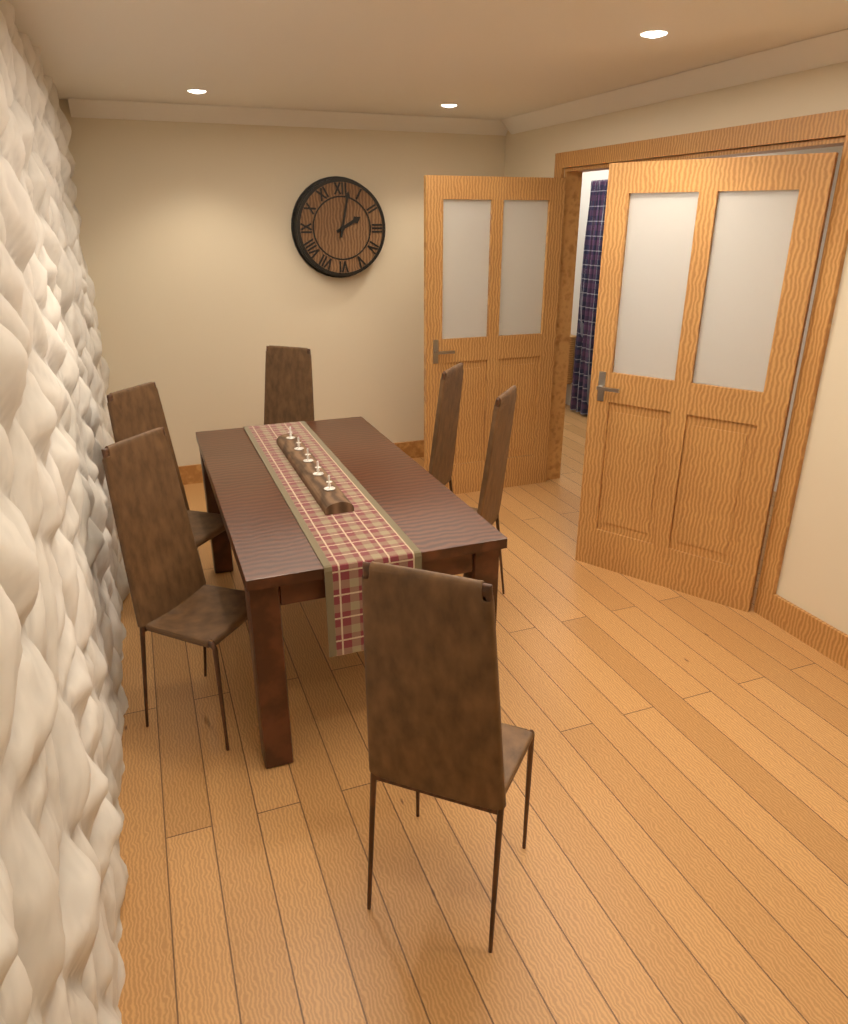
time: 2:02
